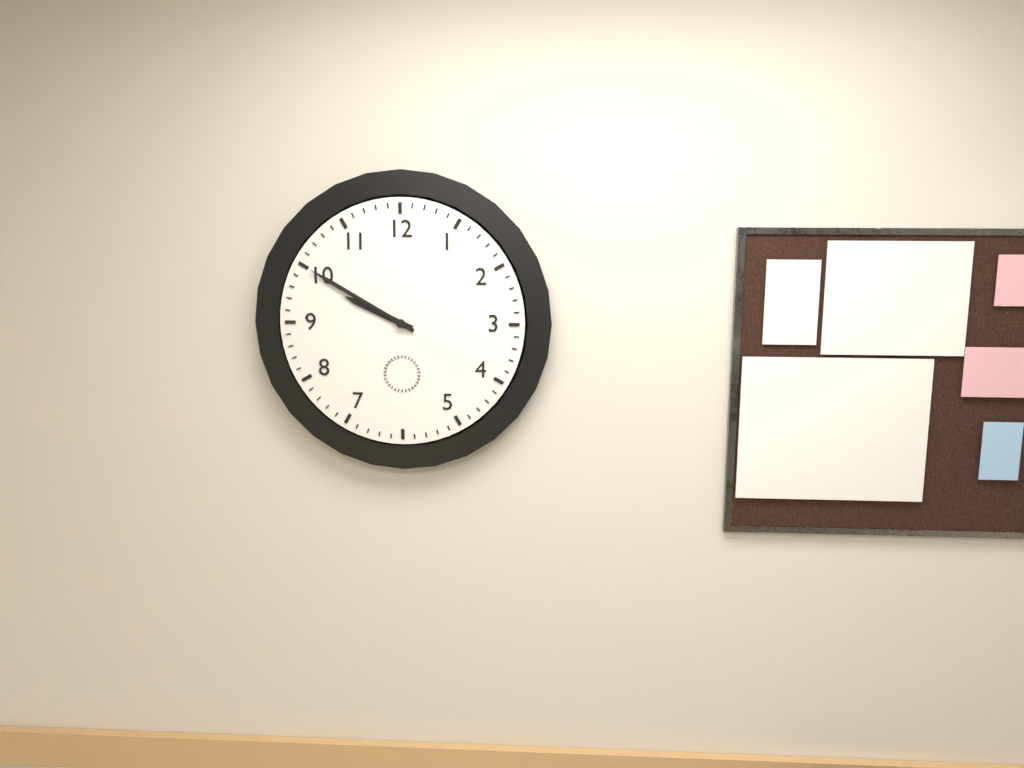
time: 9:50
